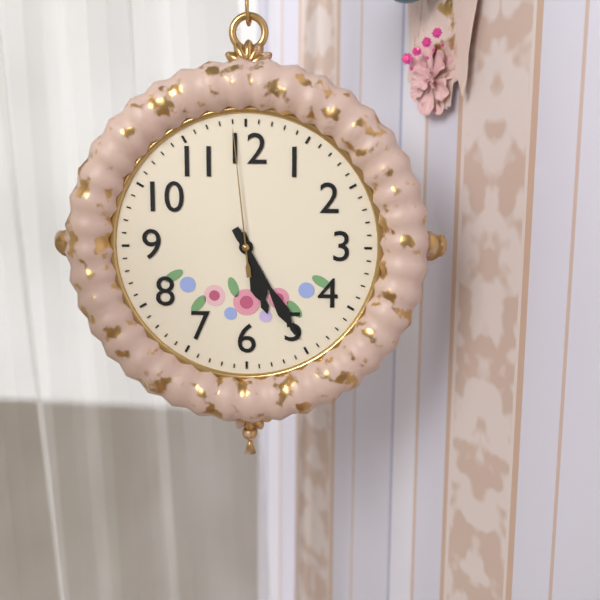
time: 5:25:59
